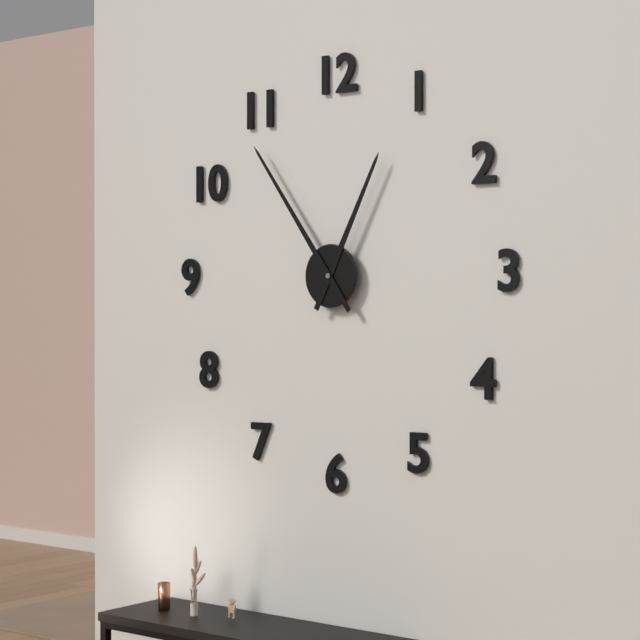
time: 12:54
